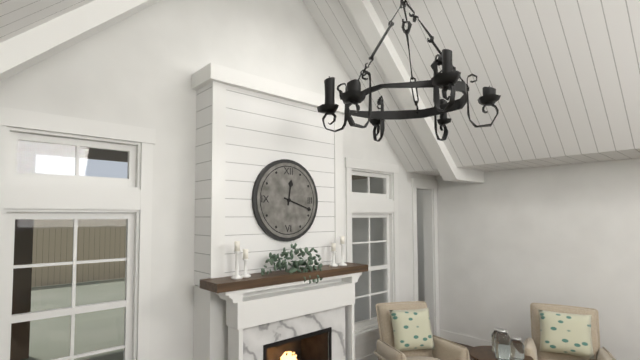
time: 12:18
